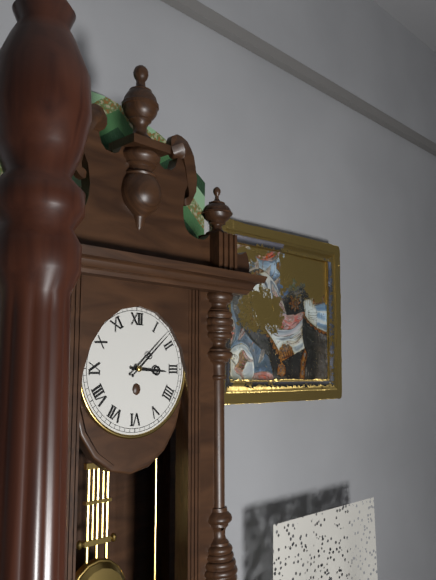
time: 3:08
